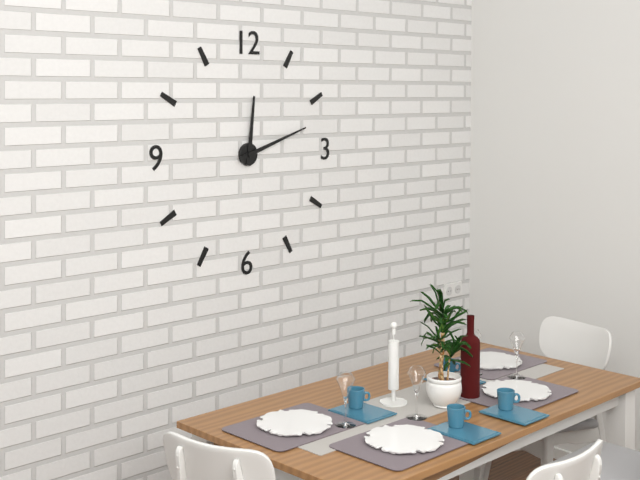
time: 12:12
